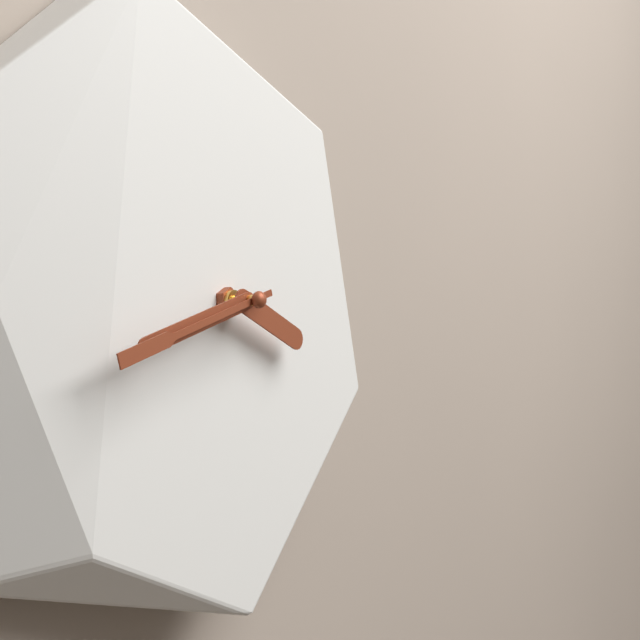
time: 3:42:42
